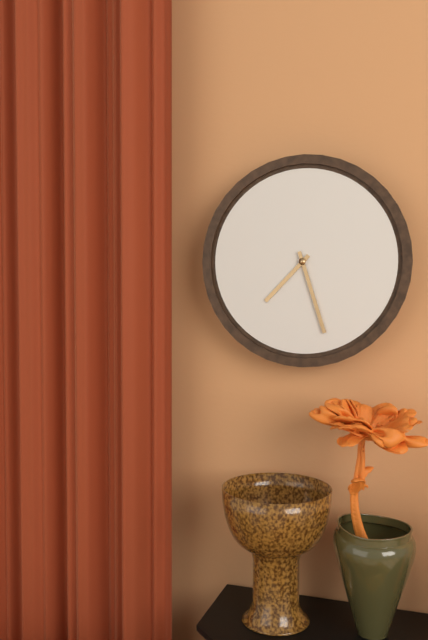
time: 7:27
